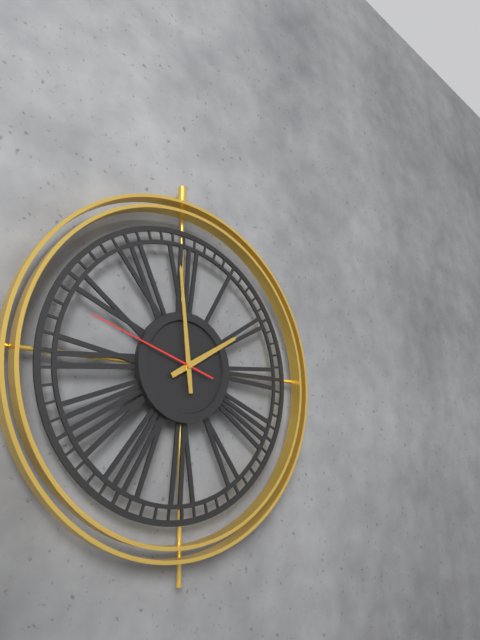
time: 1:59:48
